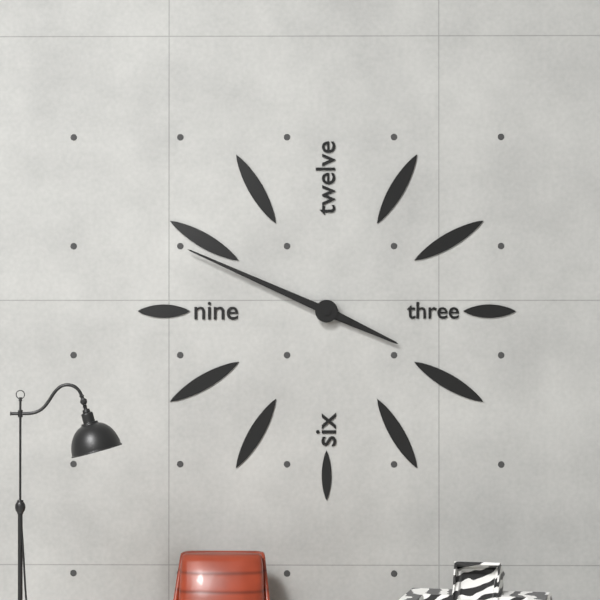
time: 3:49
